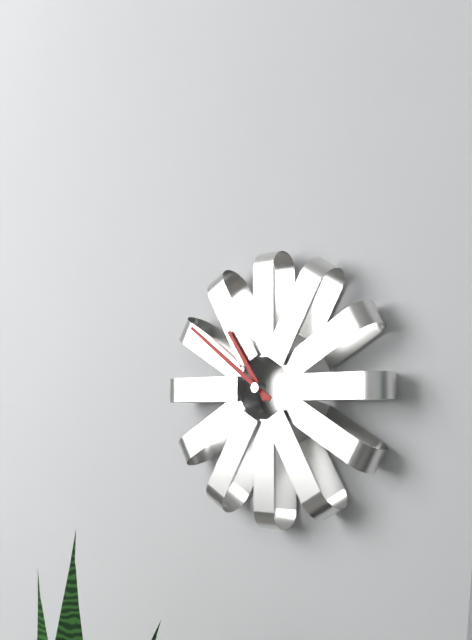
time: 10:51
